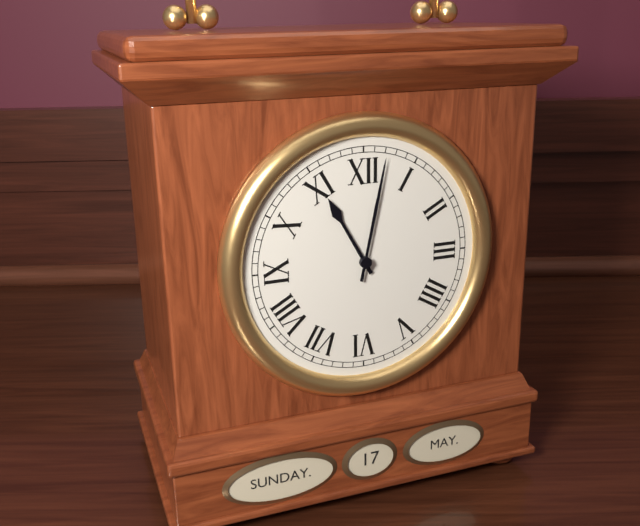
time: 11:02
